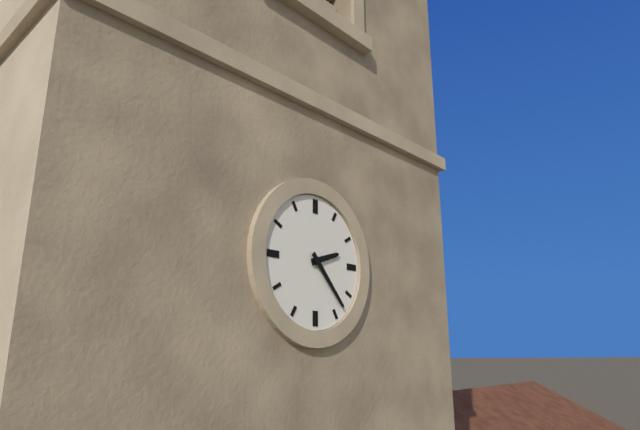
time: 2:23
